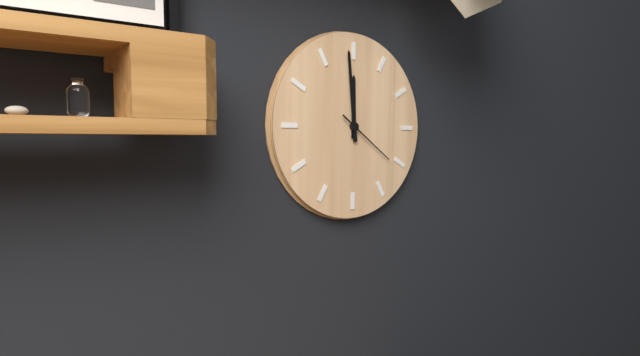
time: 11:59:21
